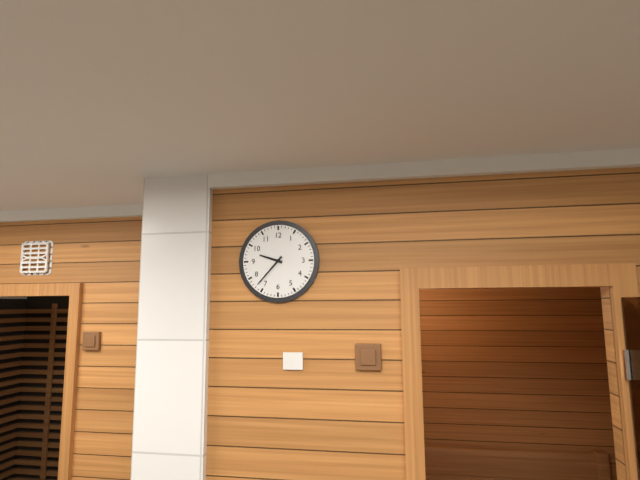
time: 9:37
